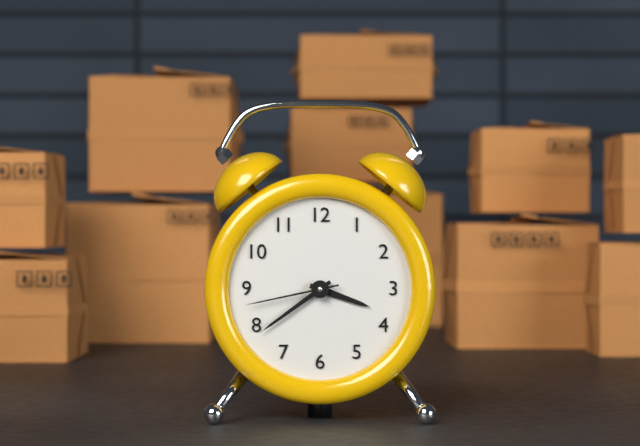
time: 3:39:43
